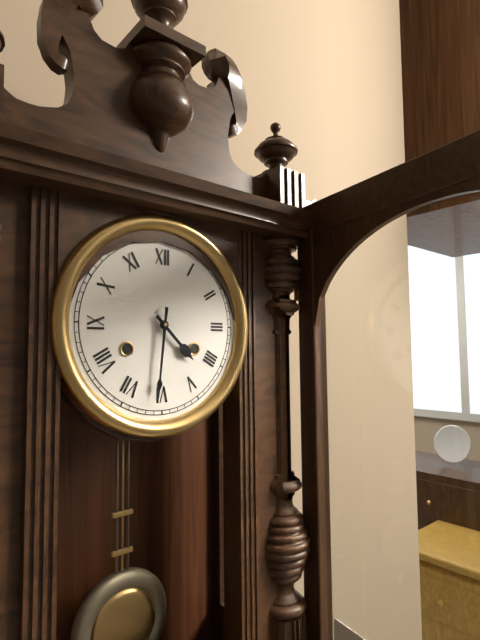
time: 4:31
